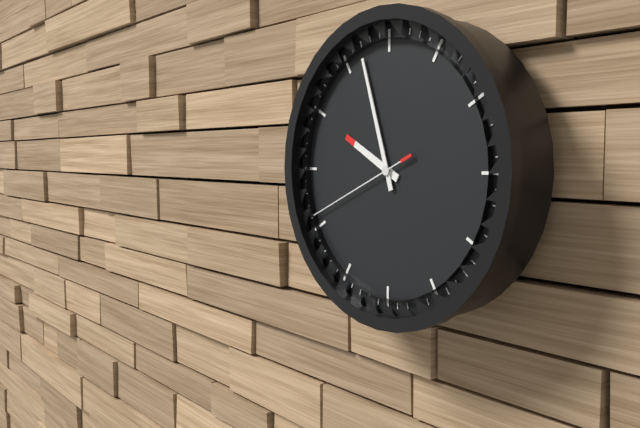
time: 9:57:41
